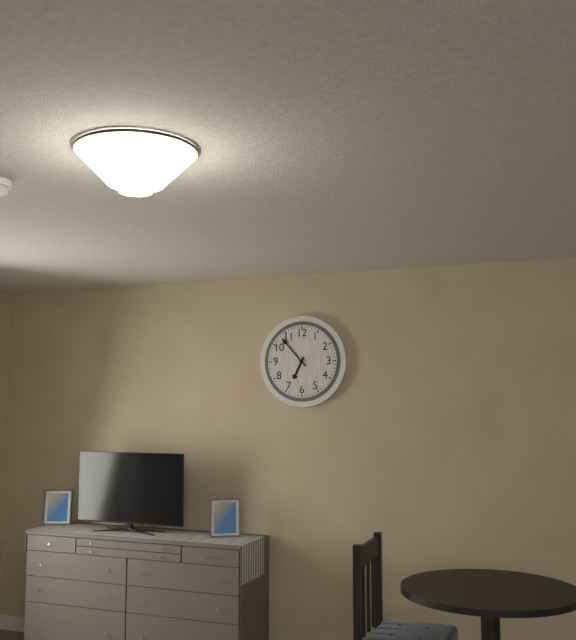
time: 6:53
